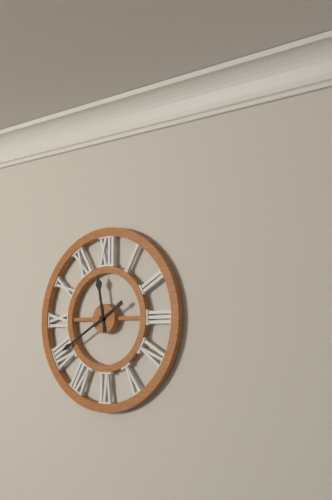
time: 11:40
